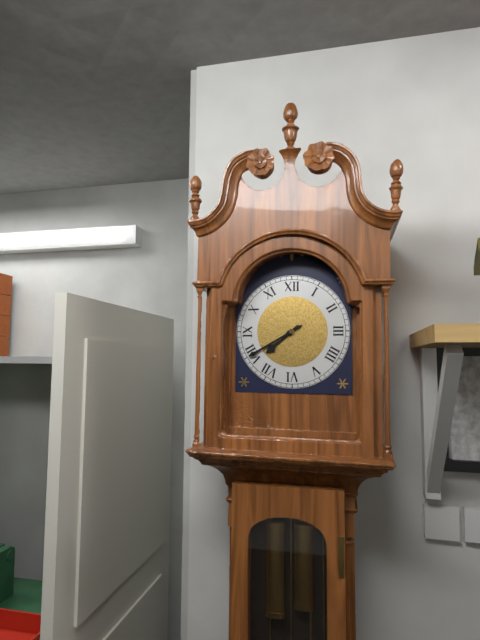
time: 7:40
